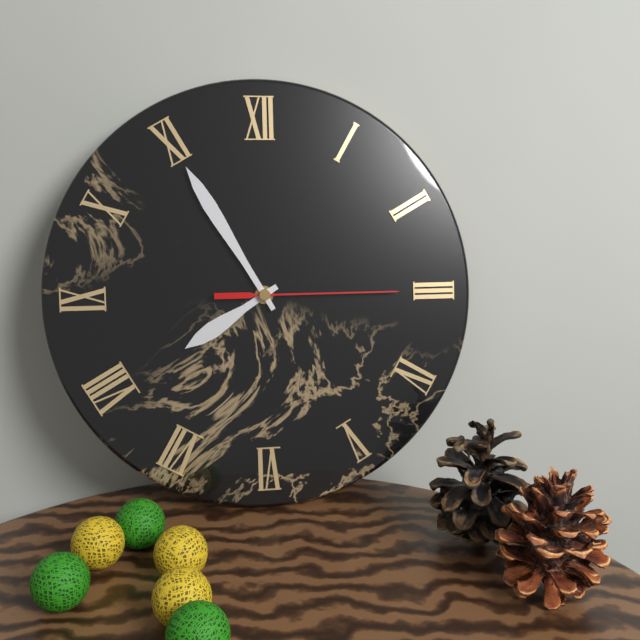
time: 7:55:15
